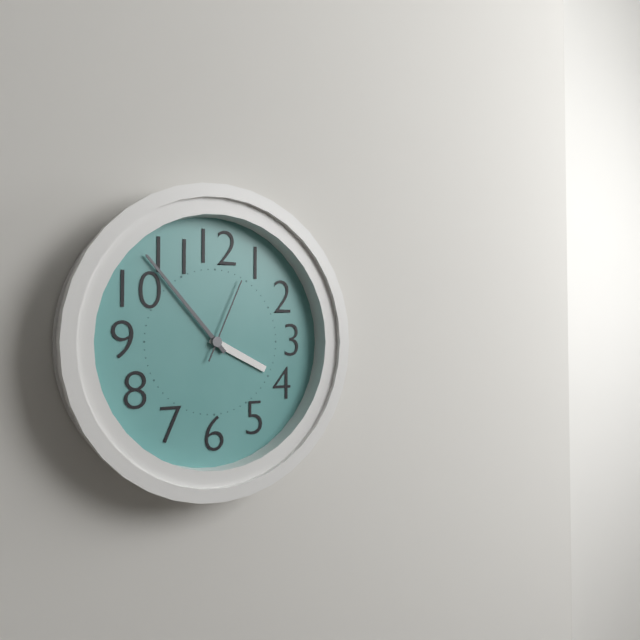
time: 3:53:04
